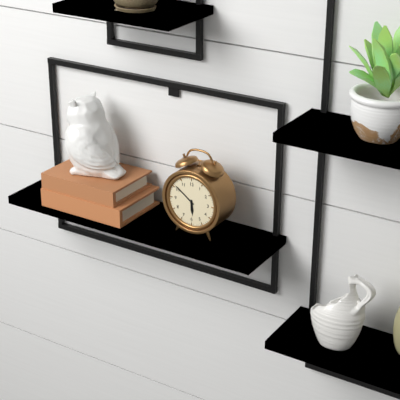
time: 5:51
